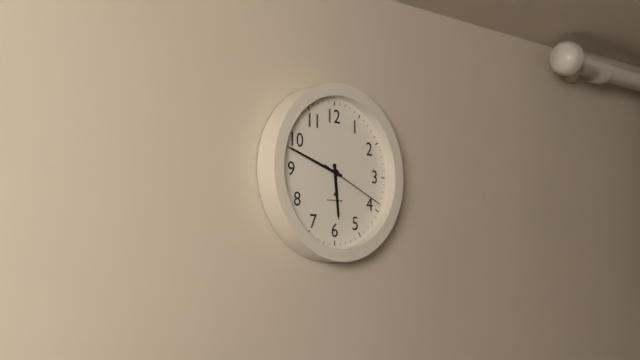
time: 5:48:19
